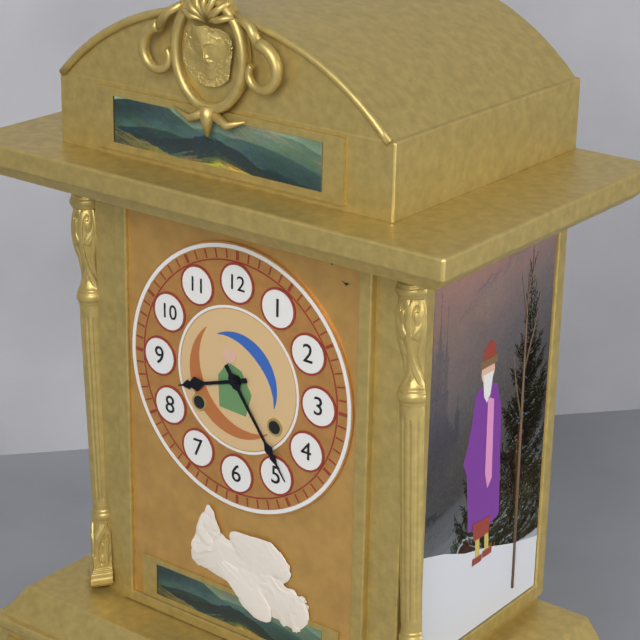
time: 8:24
